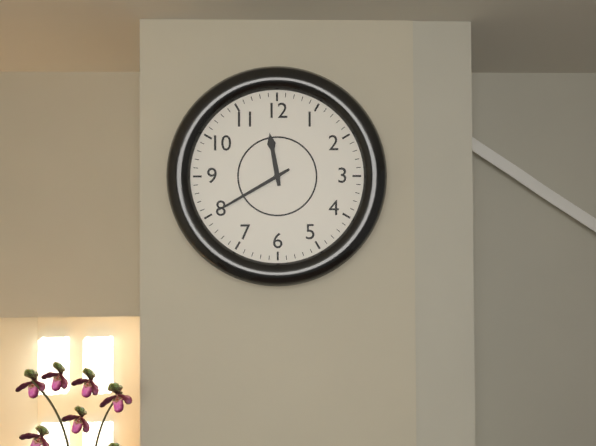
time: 11:40
